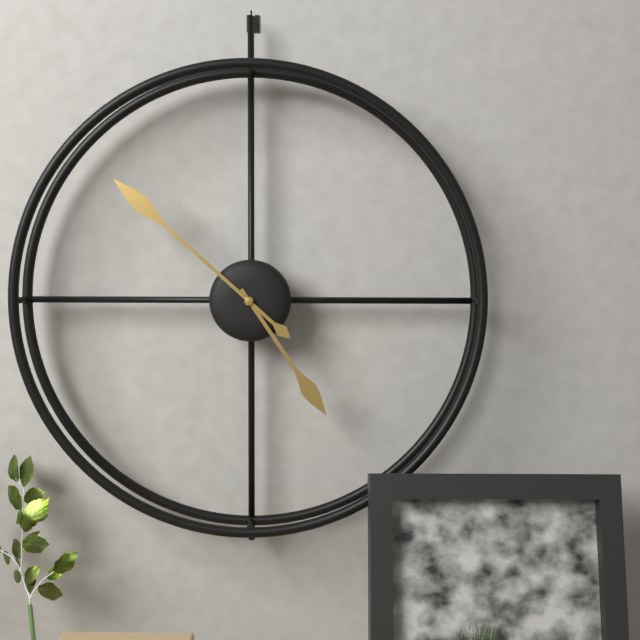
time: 4:52
